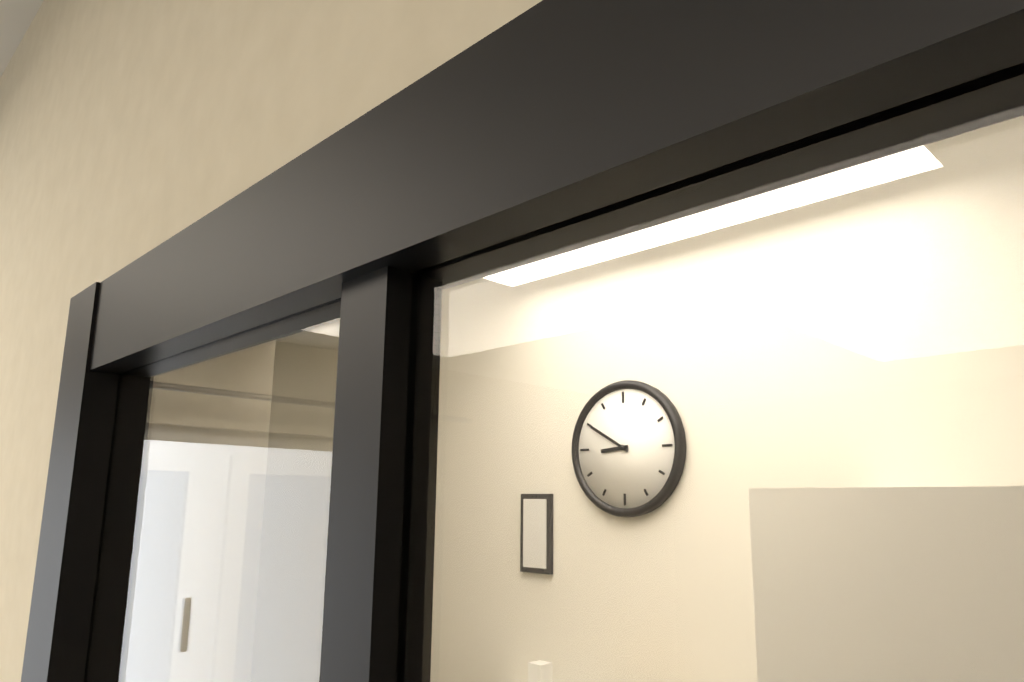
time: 8:50
